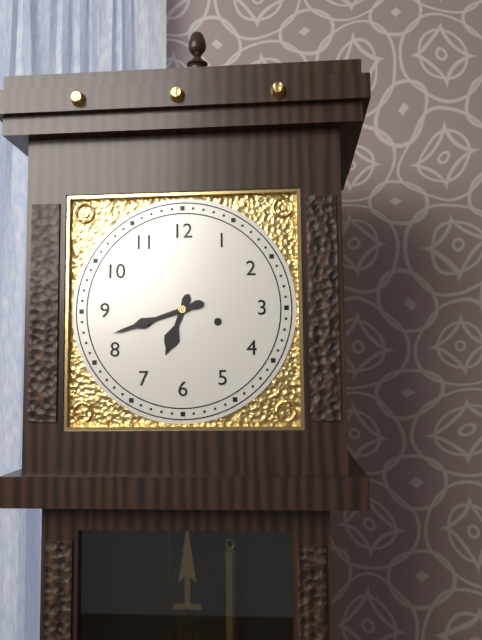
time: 6:42
